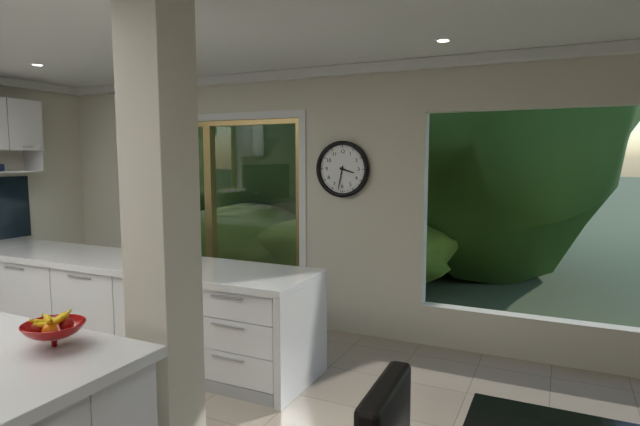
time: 3:32
